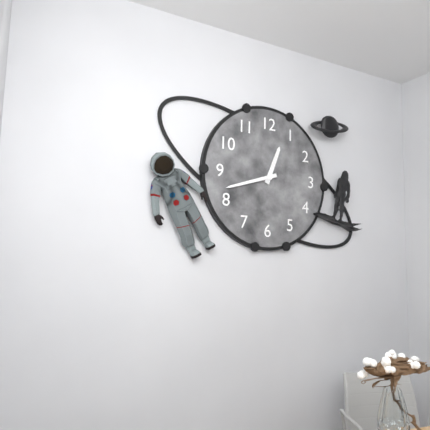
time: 12:42
